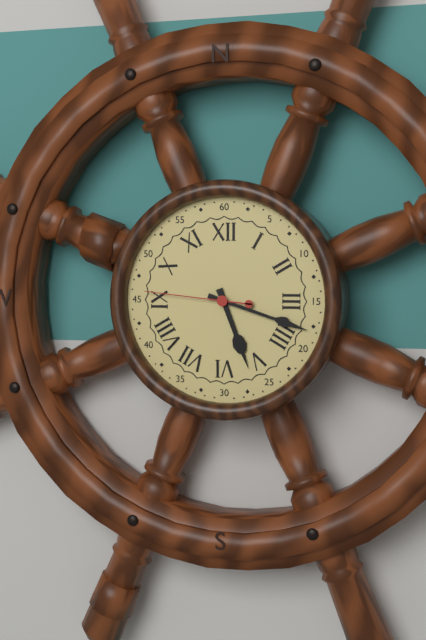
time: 5:18:46
